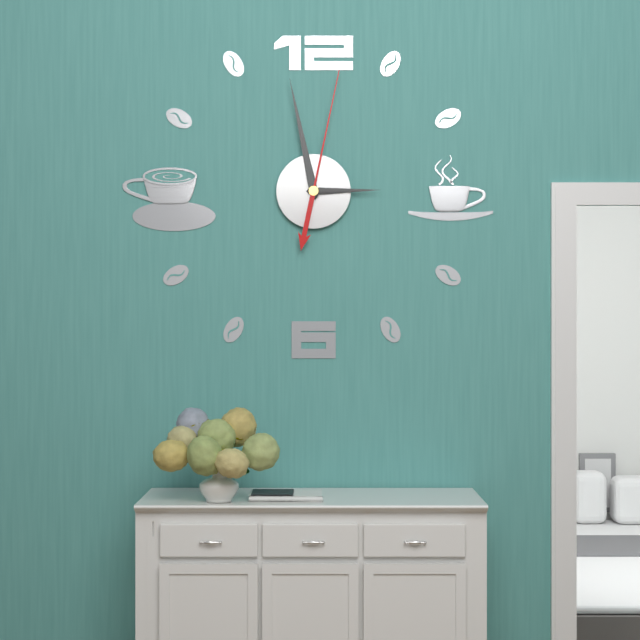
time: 2:58:02
